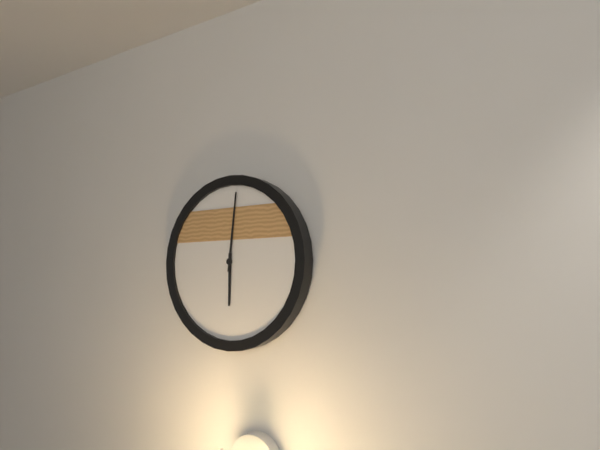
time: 6:01
